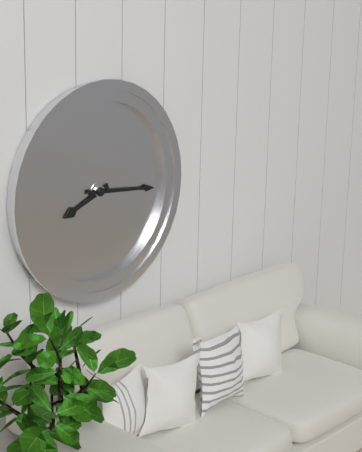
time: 8:16
